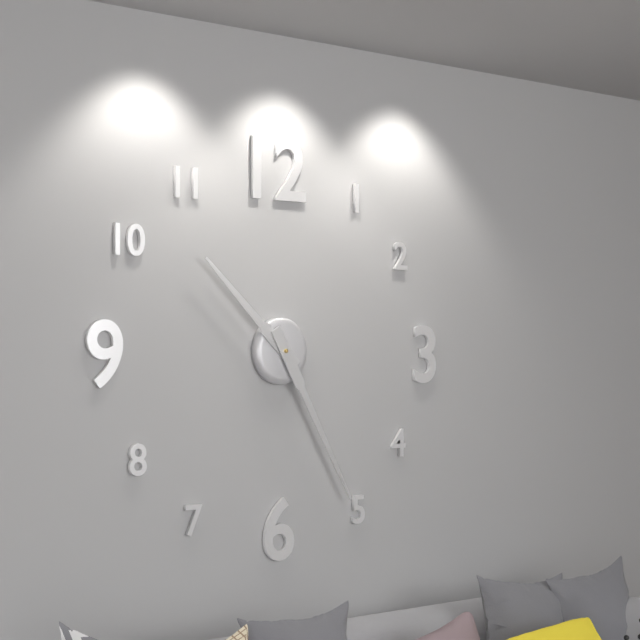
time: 10:25
